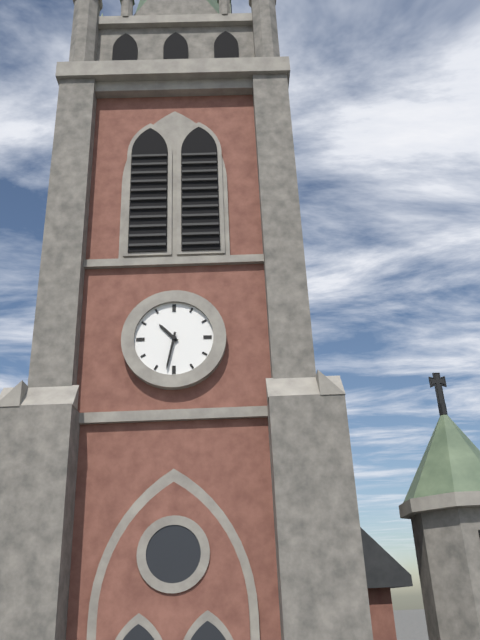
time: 10:32
